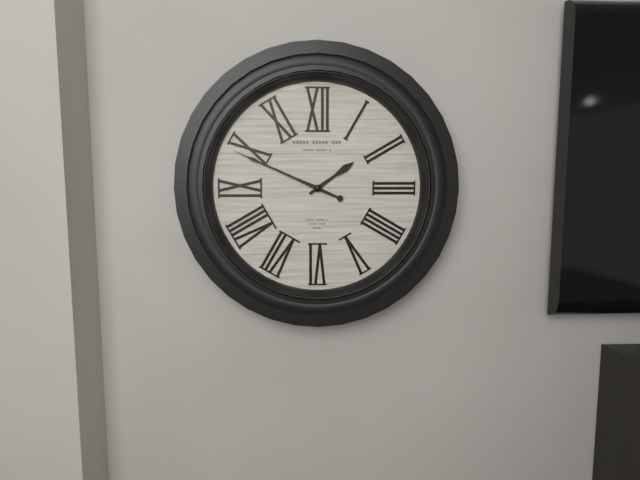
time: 1:49
